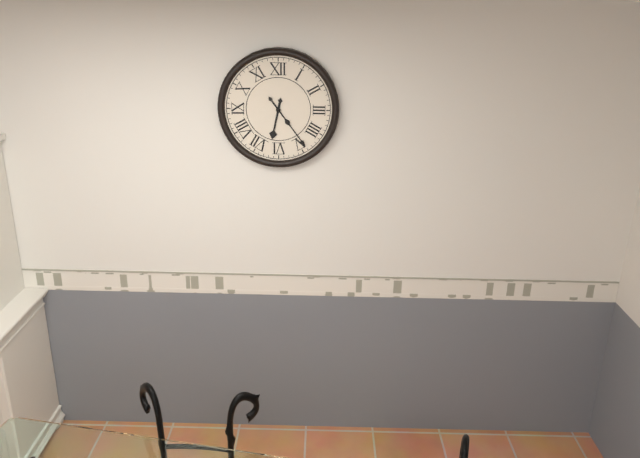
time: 6:24
